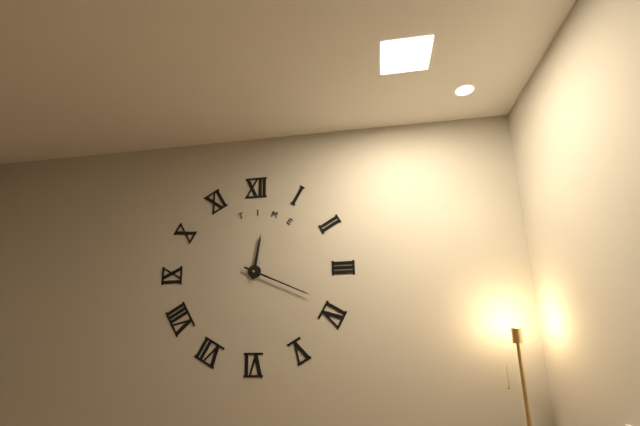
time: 12:19
